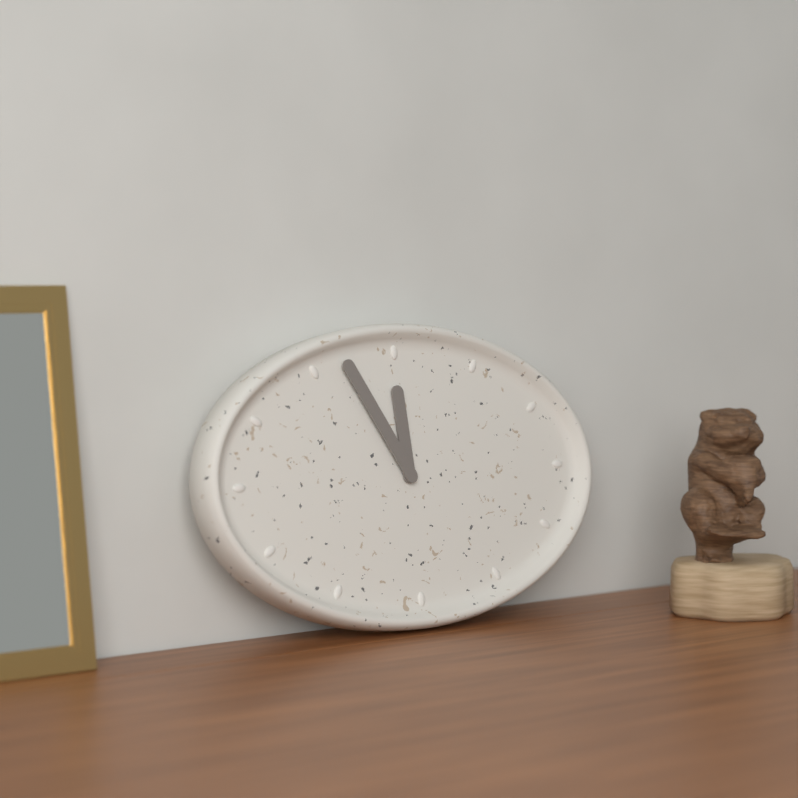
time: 11:55
